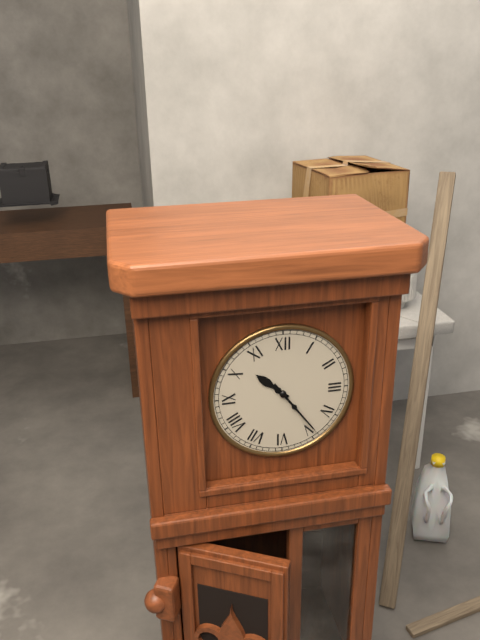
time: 10:24
